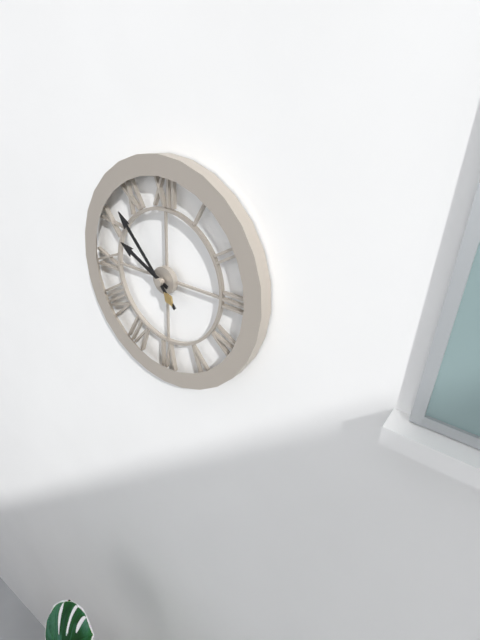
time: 9:53
